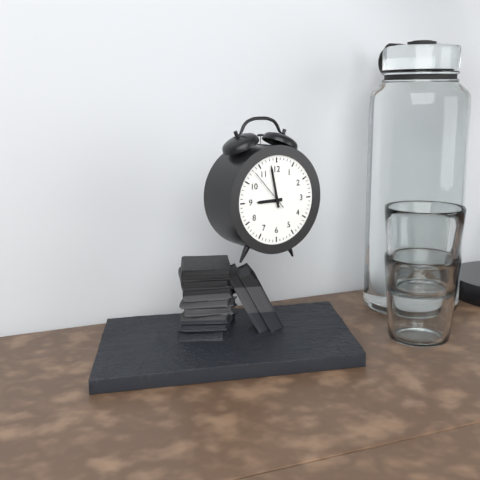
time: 8:58
